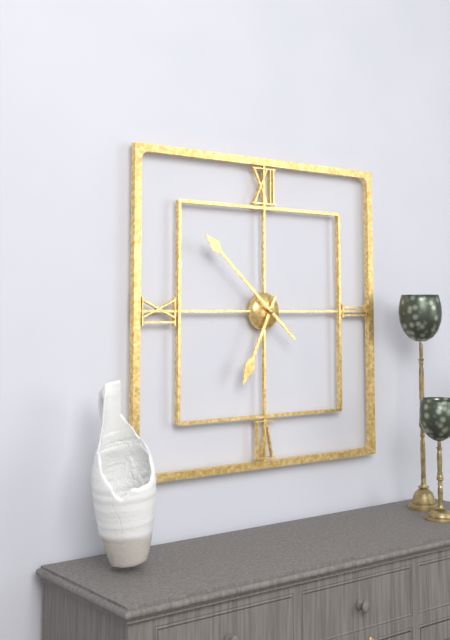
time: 6:52
